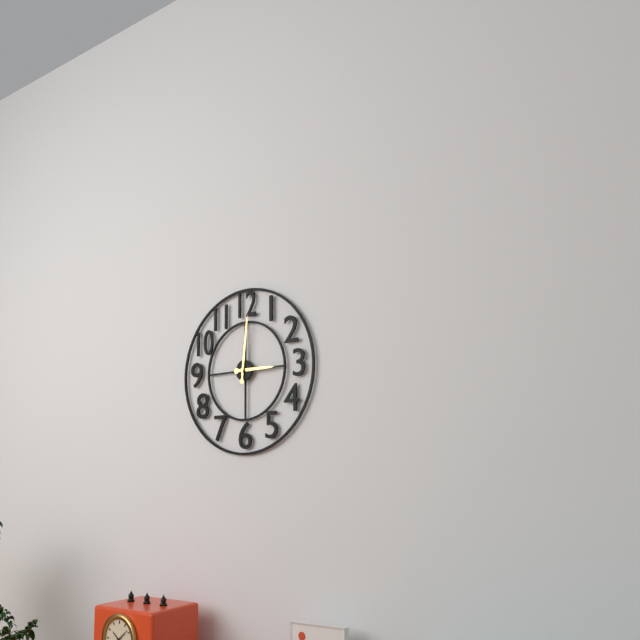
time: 3:01
